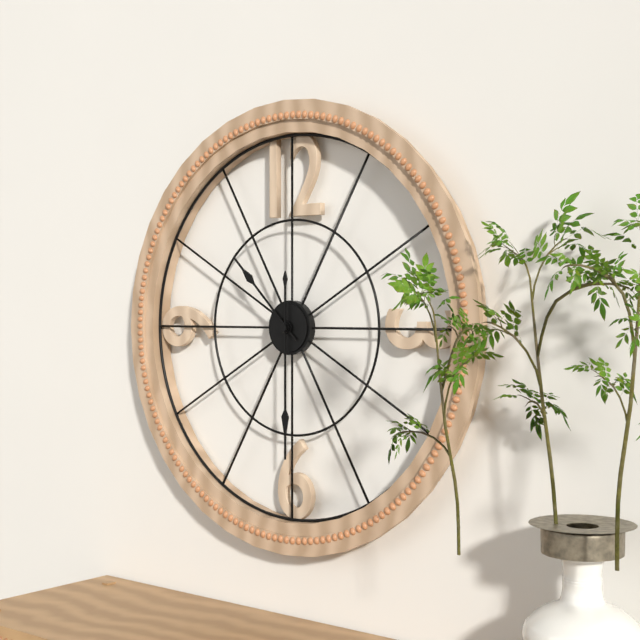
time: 10:30
